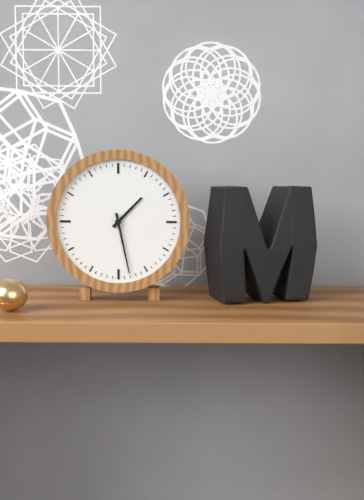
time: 1:28
